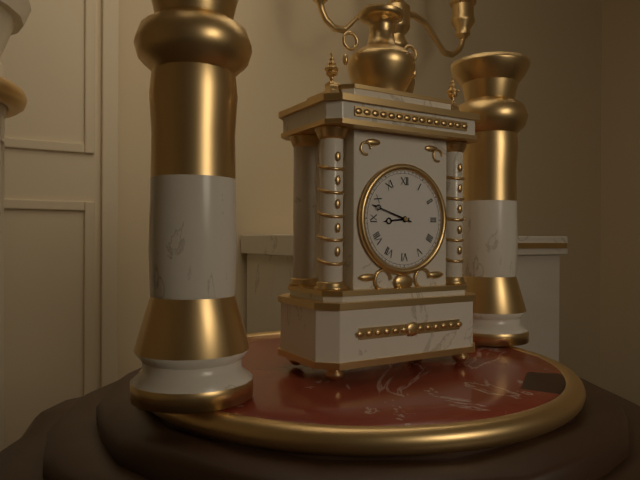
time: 8:48
